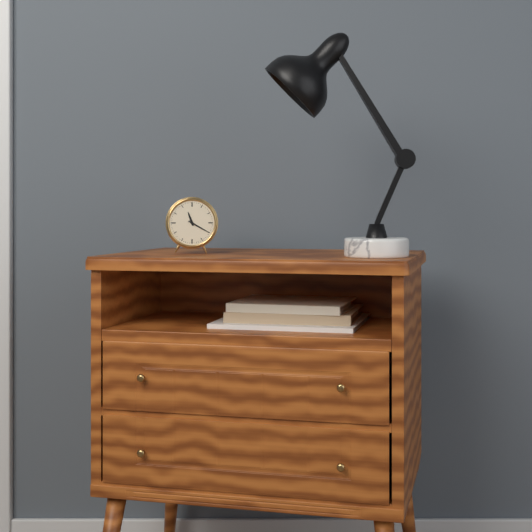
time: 11:20
